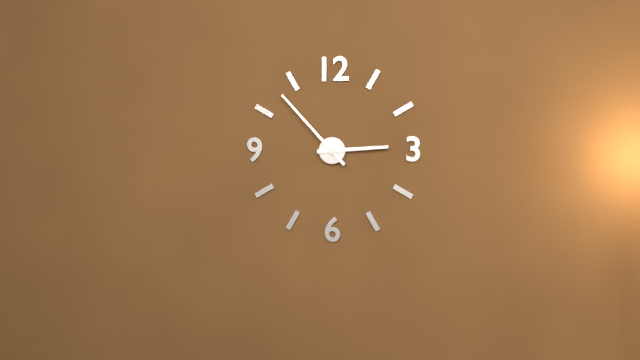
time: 2:53
